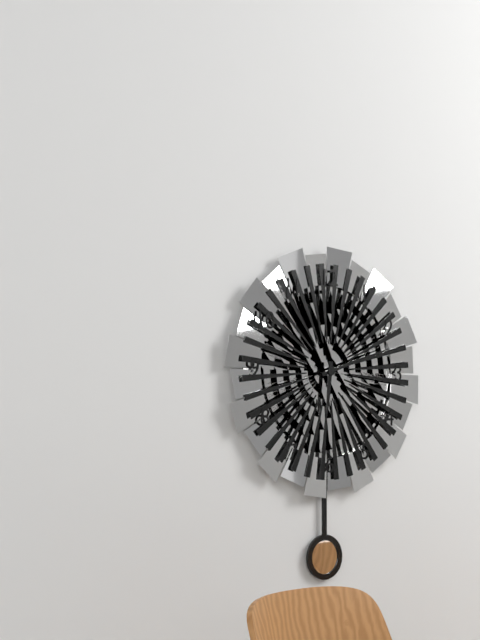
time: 6:12
